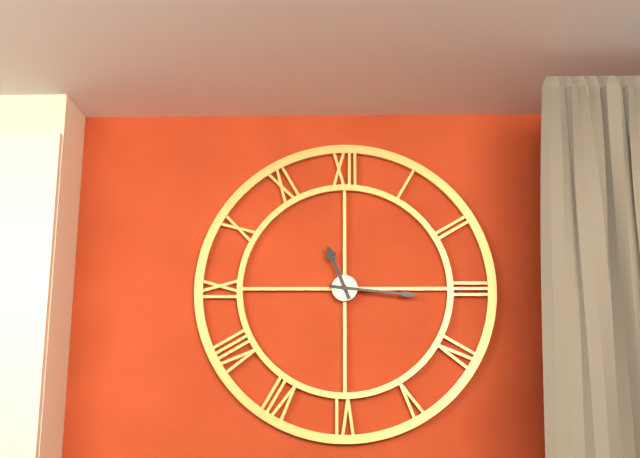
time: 11:16
